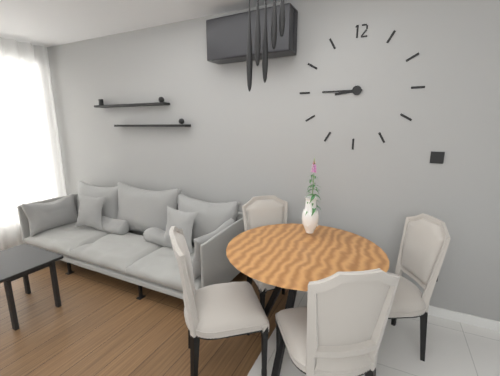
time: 8:45
